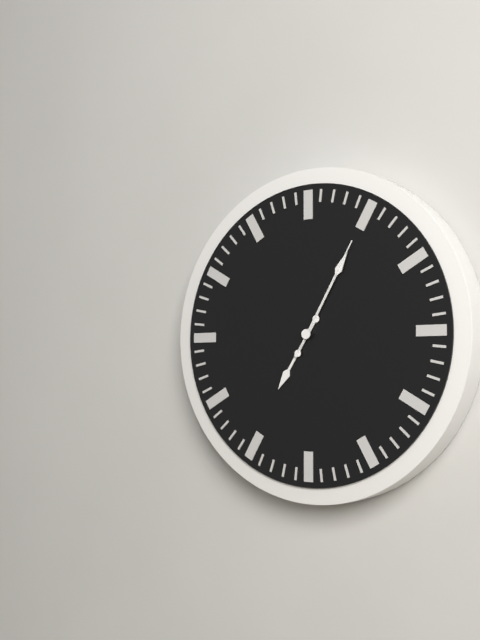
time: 7:05:05
